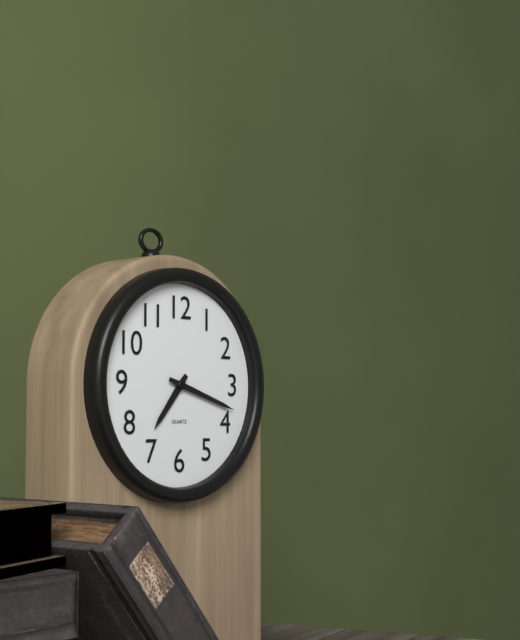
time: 7:18
